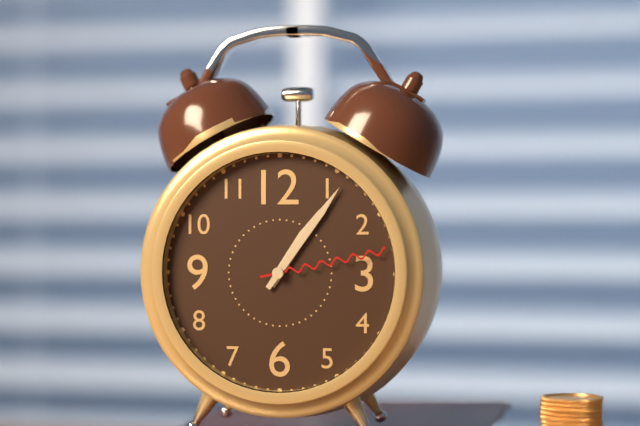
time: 1:06:13
